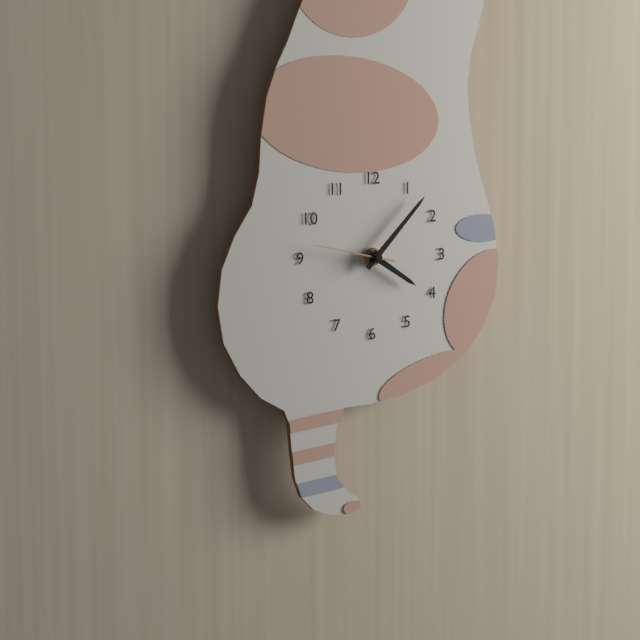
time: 4:07:47
